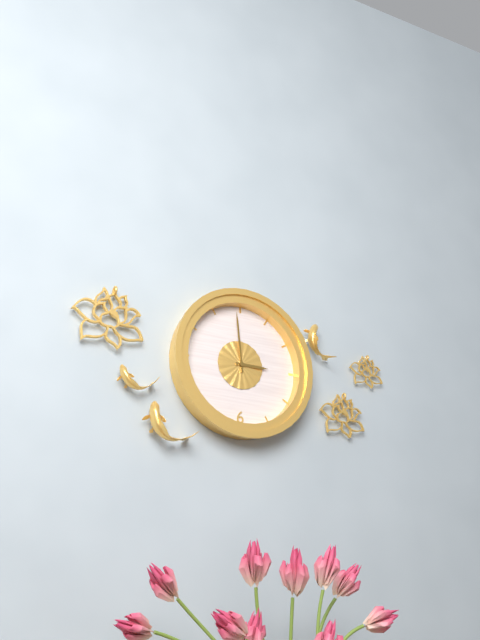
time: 2:59
